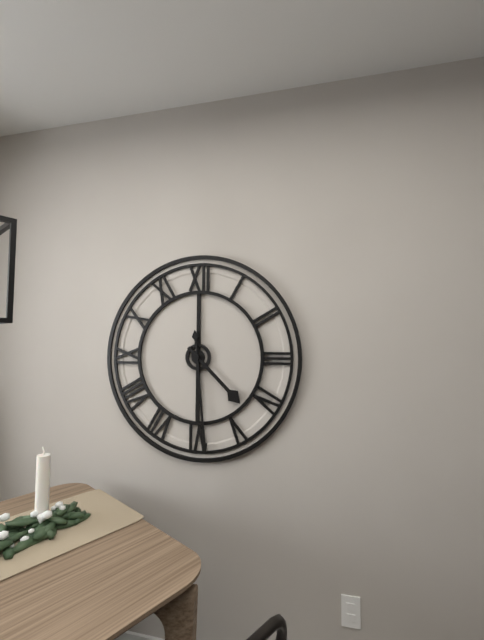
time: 4:29
